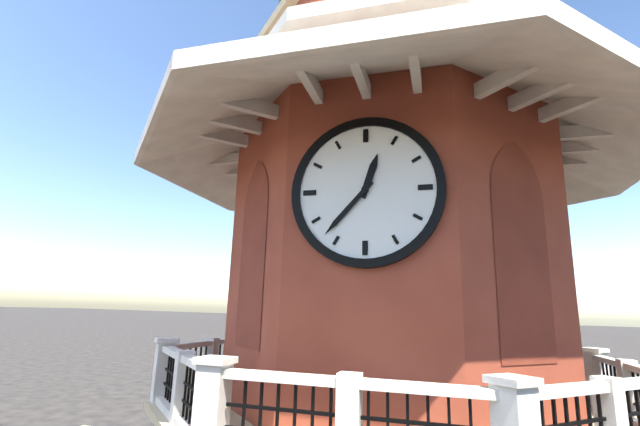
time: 12:37
